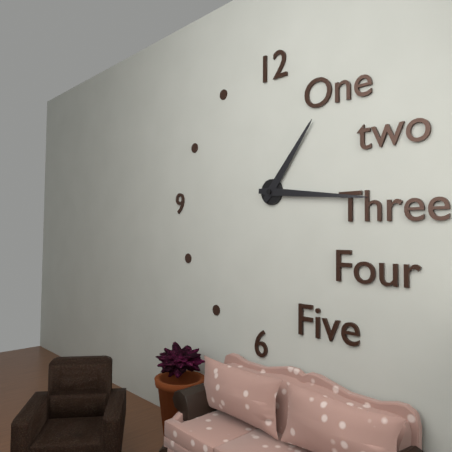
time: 1:16
